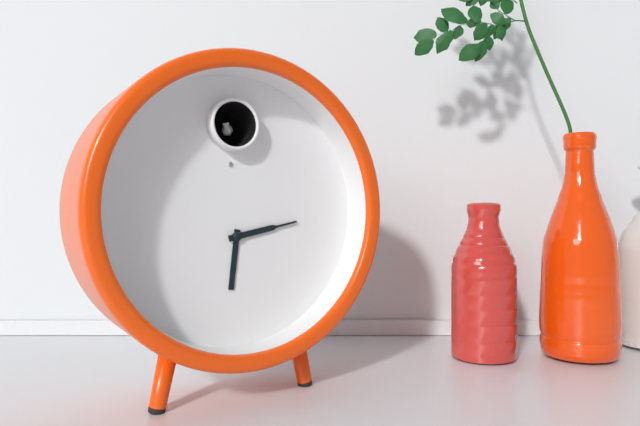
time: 6:13
